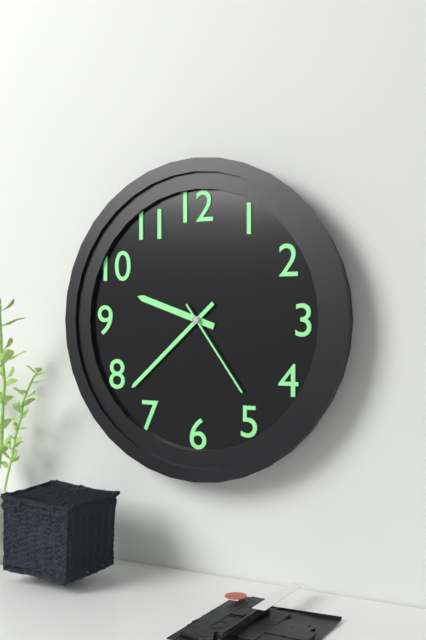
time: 9:38:24
